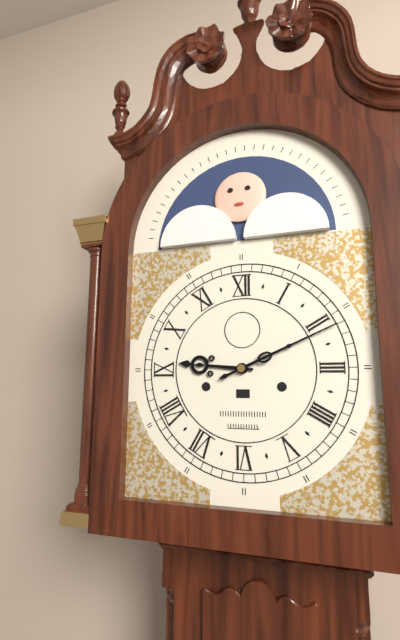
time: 9:11
